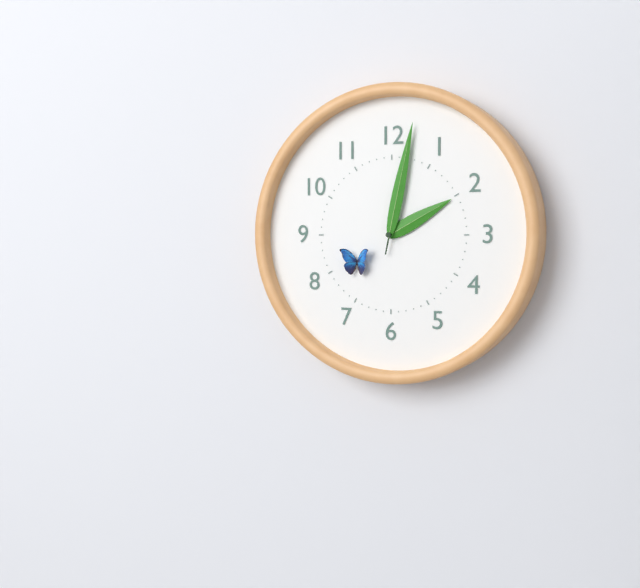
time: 2:02
